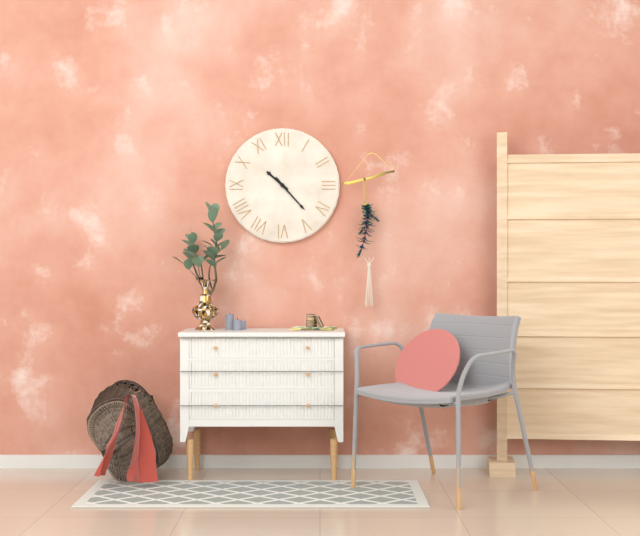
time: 10:23
